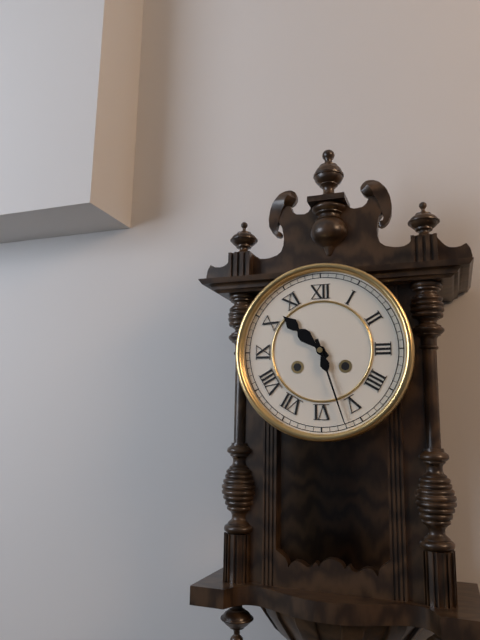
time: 10:27
